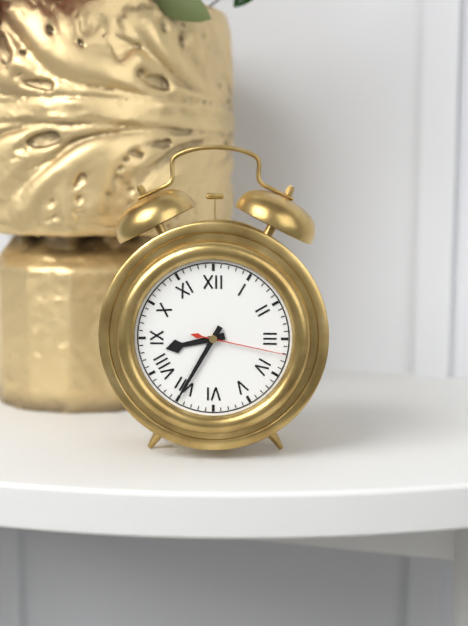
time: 8:35:17
